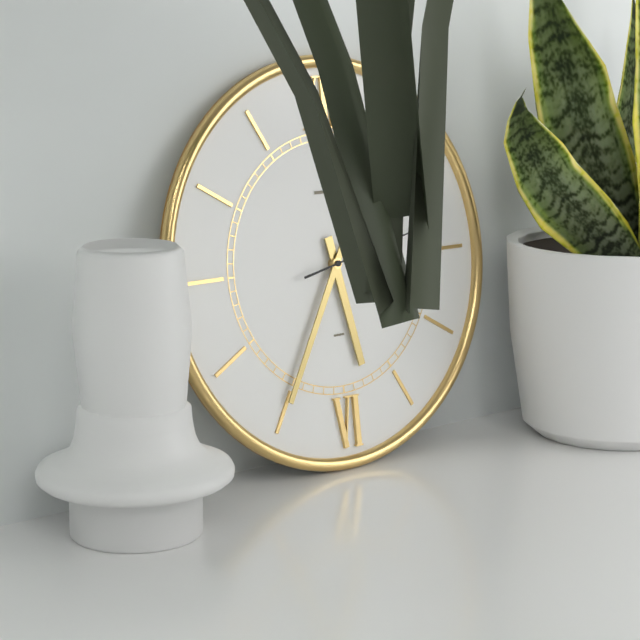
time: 5:35
